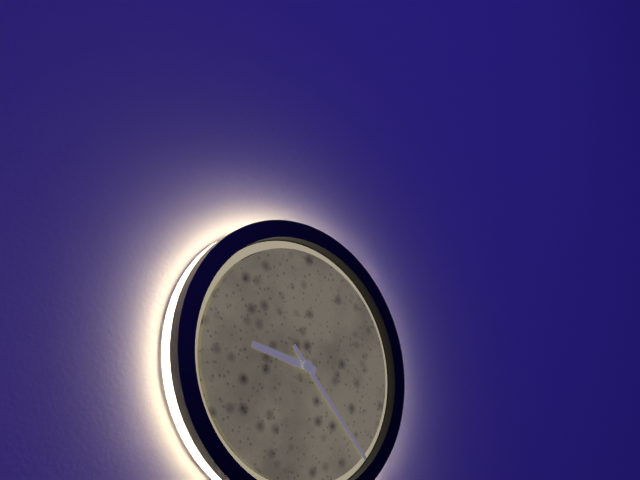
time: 9:23
